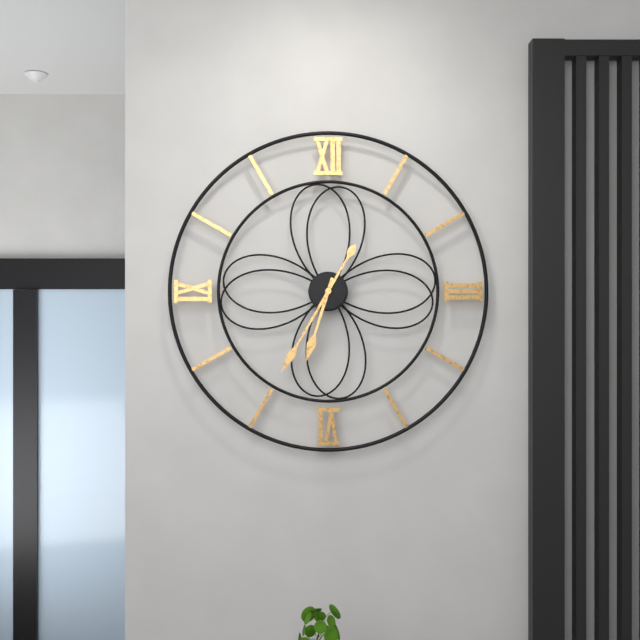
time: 6:35
